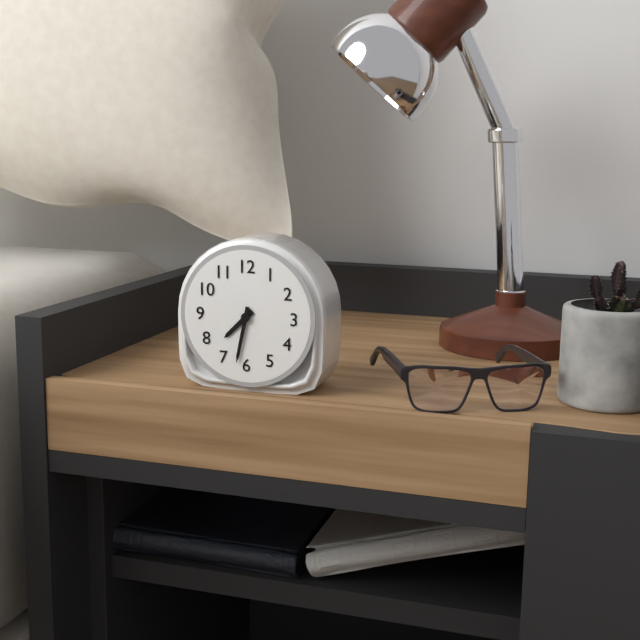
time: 7:32
